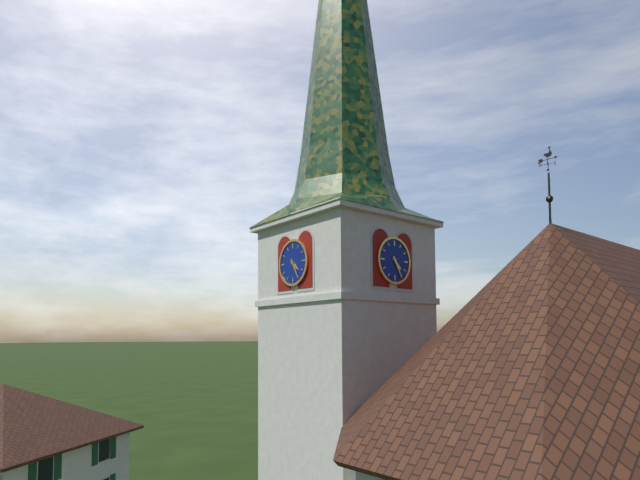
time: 4:25
